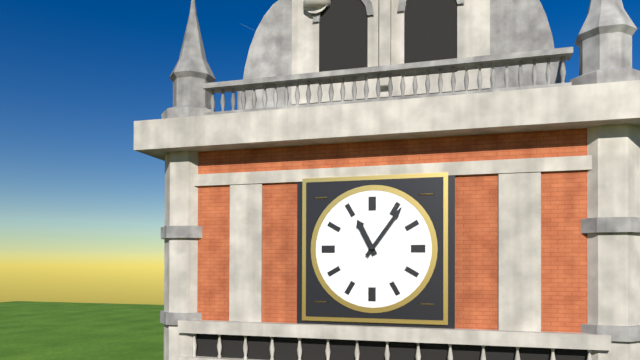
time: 11:06
